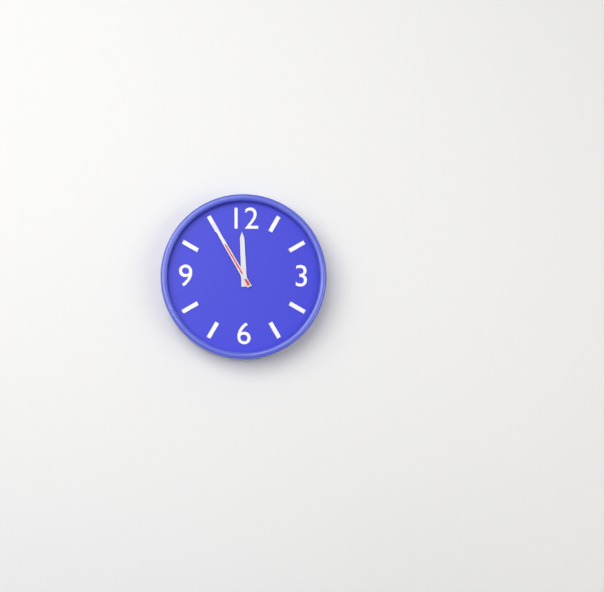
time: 11:55
